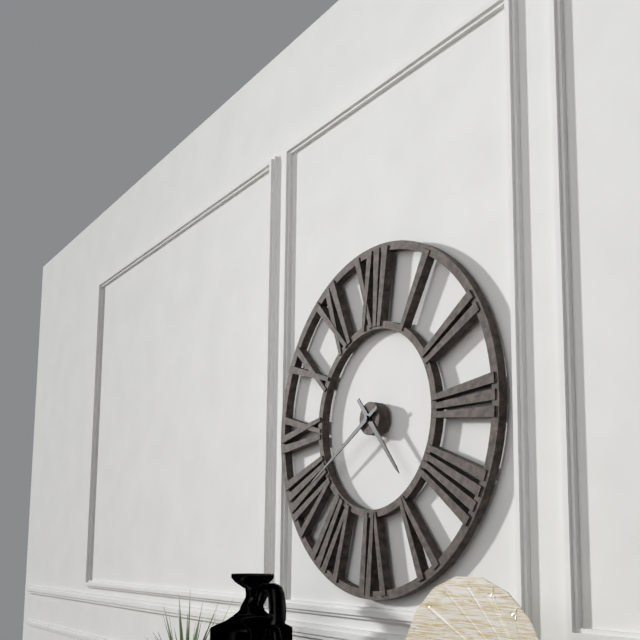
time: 4:40
